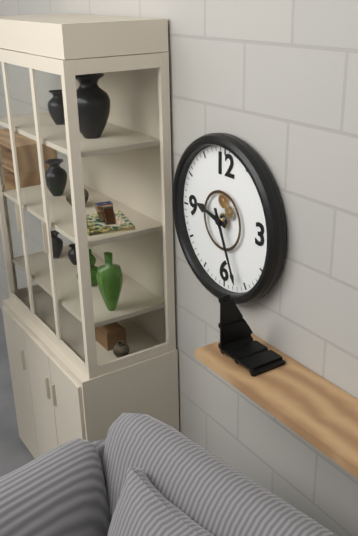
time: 9:26
